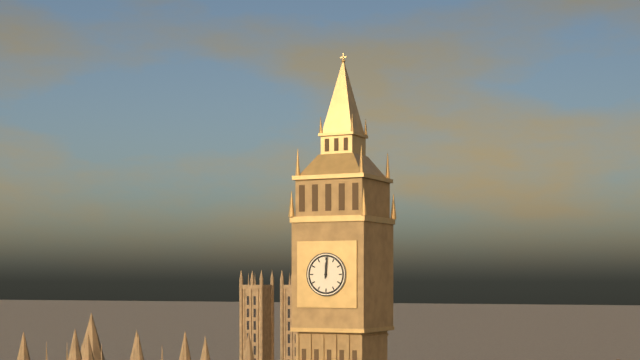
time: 12:01
